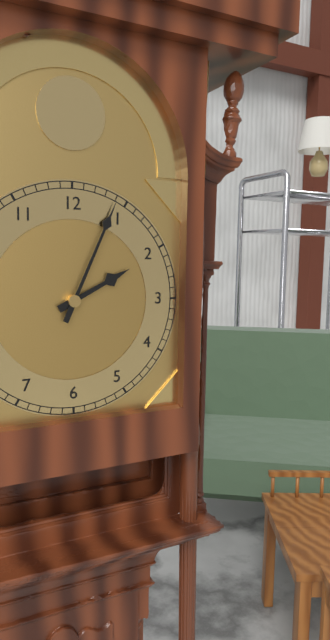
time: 2:04
